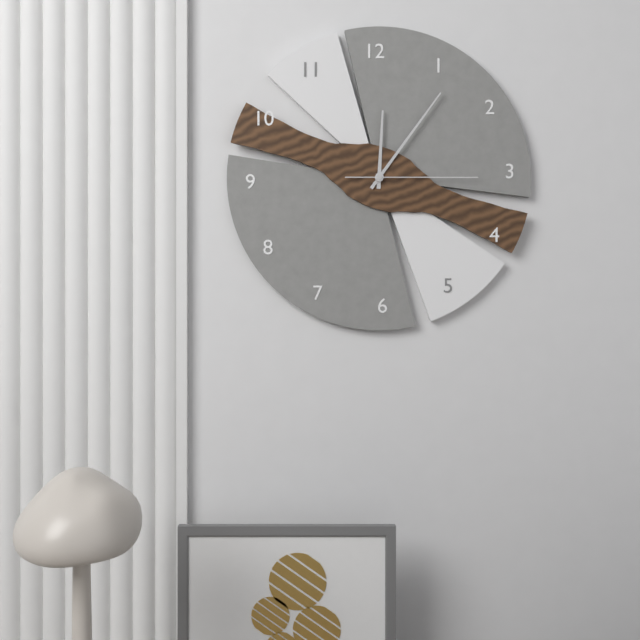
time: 12:06:15
